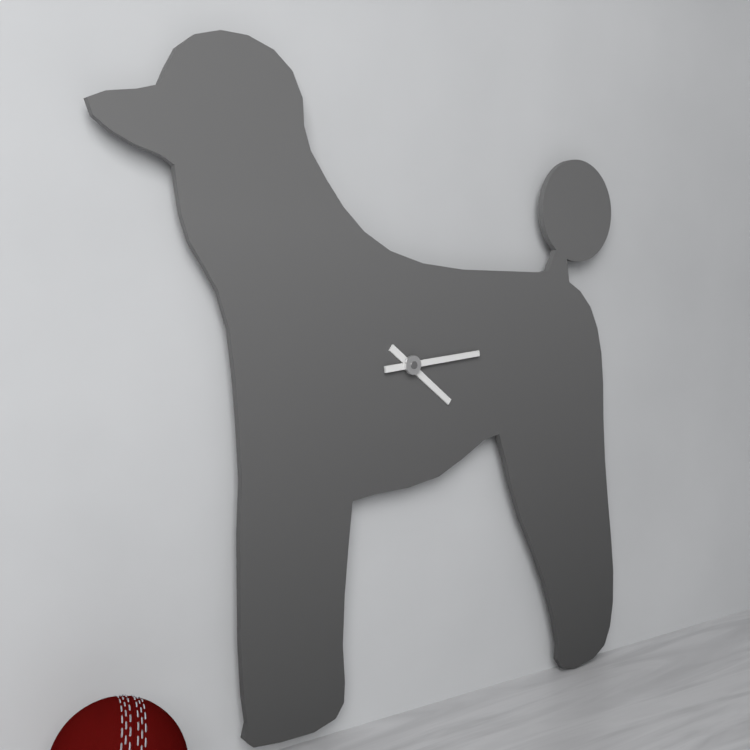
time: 4:14
